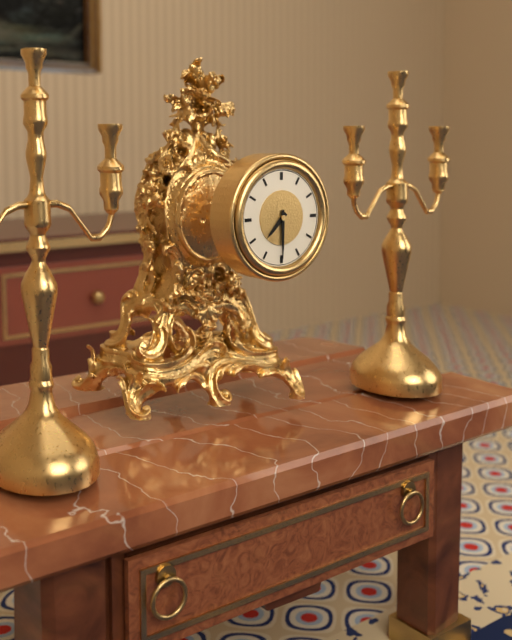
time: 7:30
